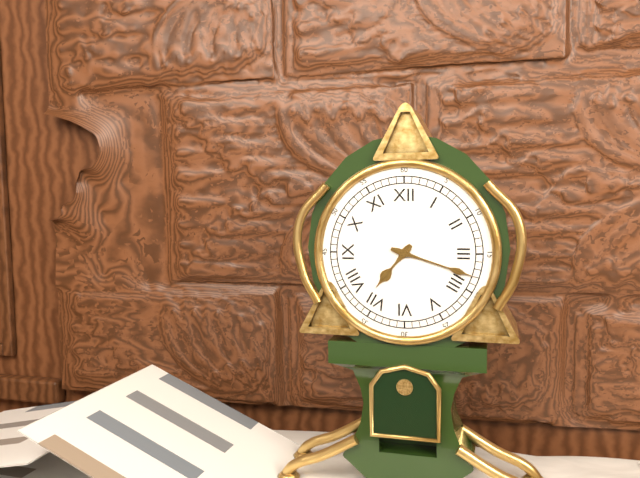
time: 7:18
